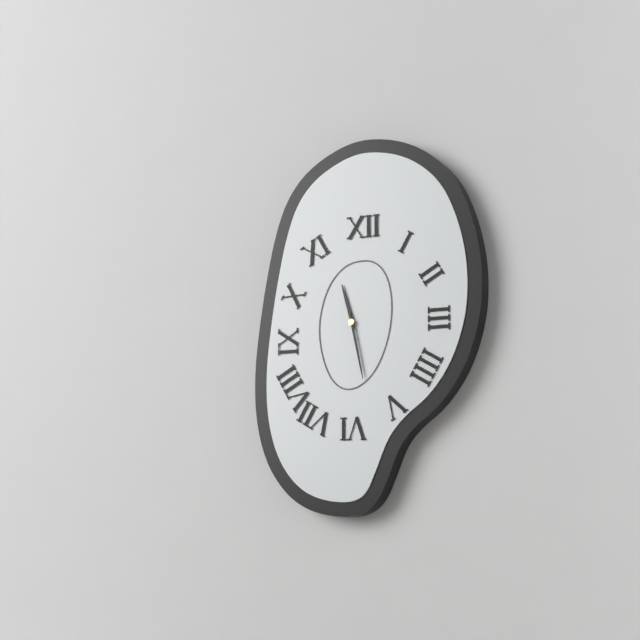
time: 11:28
